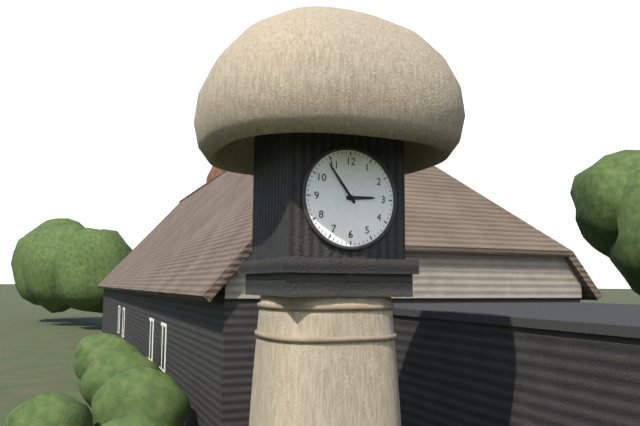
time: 2:54
